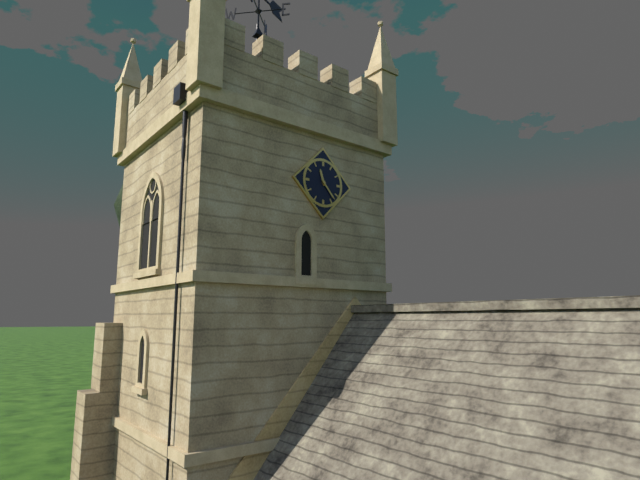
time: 11:23
